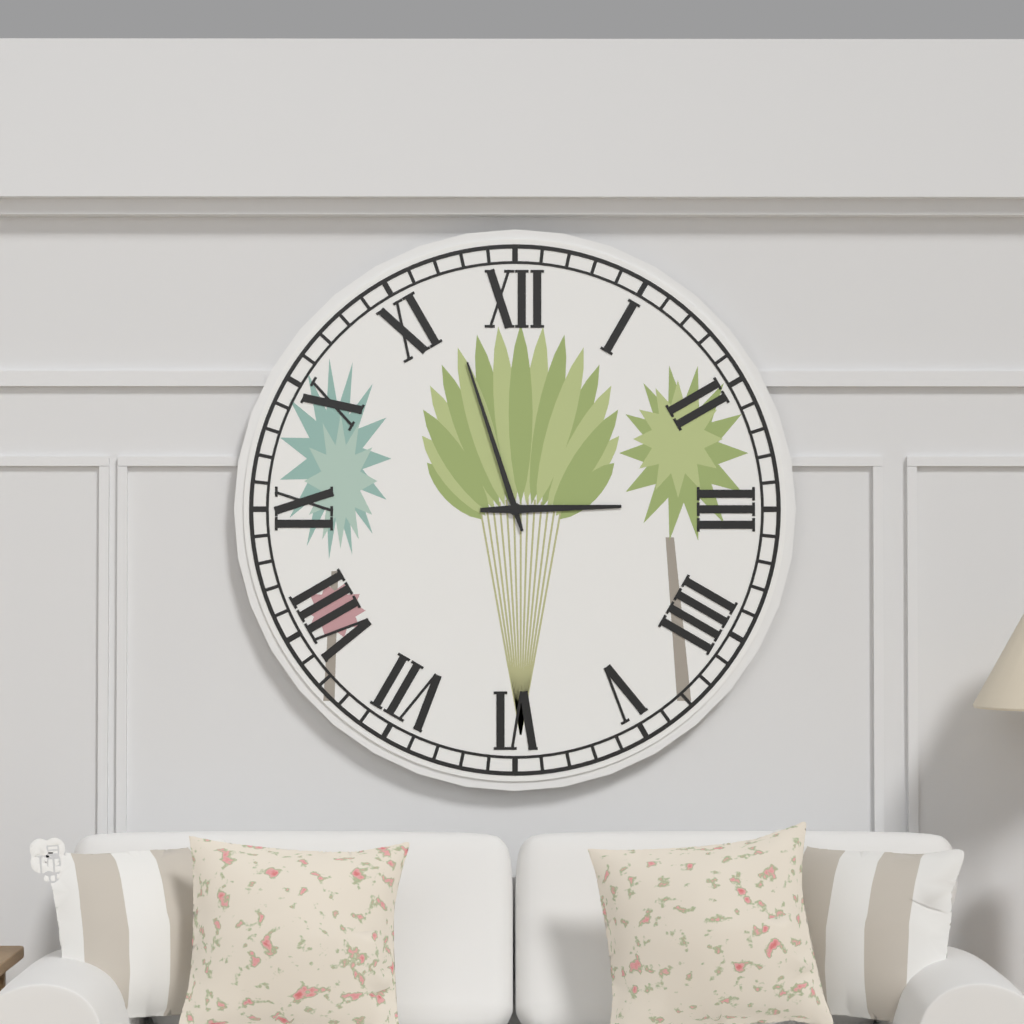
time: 2:57
